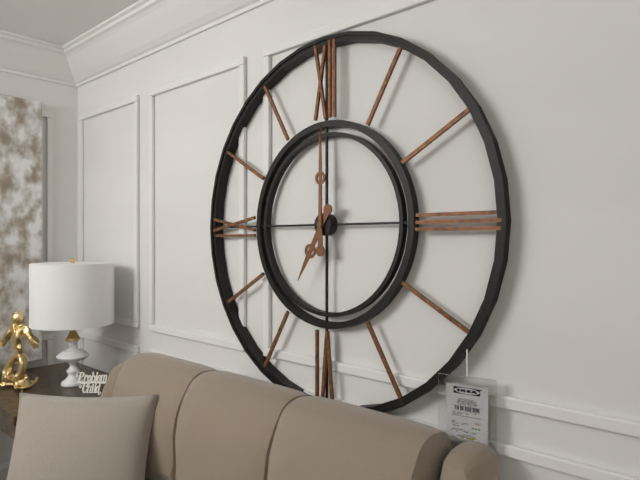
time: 7:00
